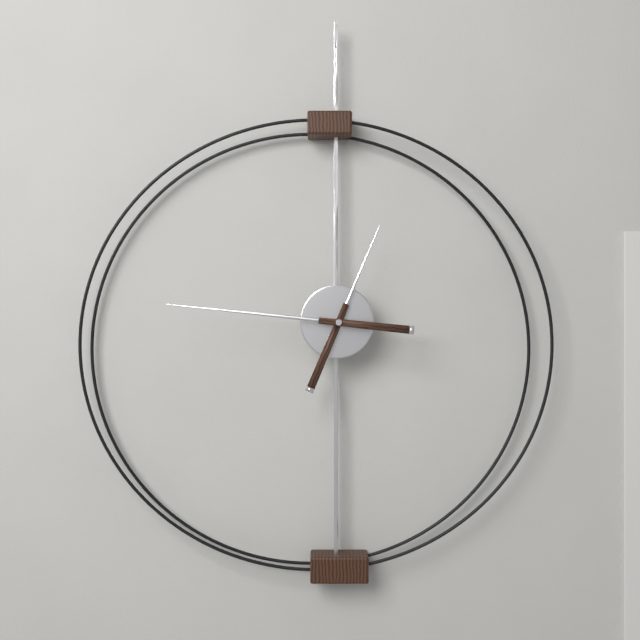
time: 12:46
